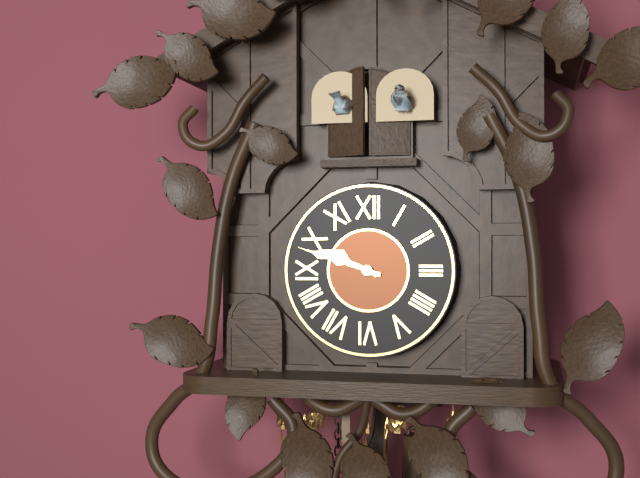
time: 9:48
